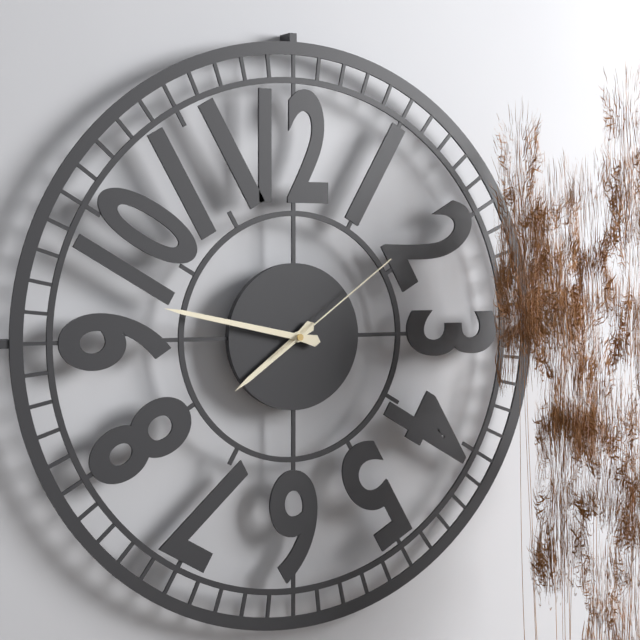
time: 7:47:09
